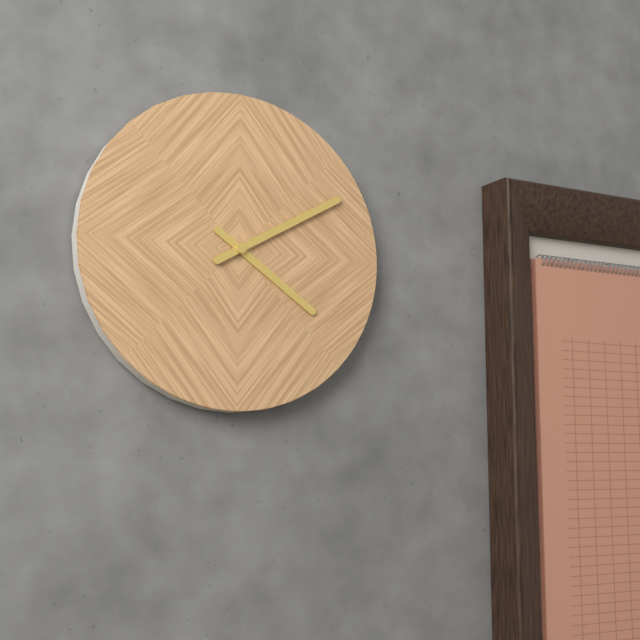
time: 4:10
